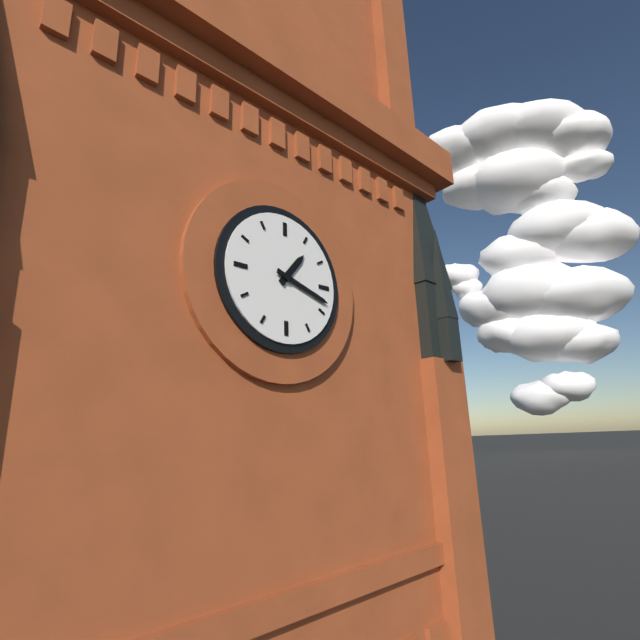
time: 1:18
